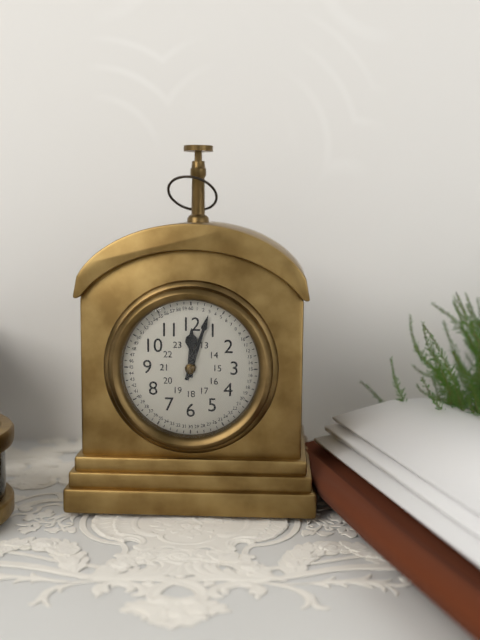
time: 12:03
